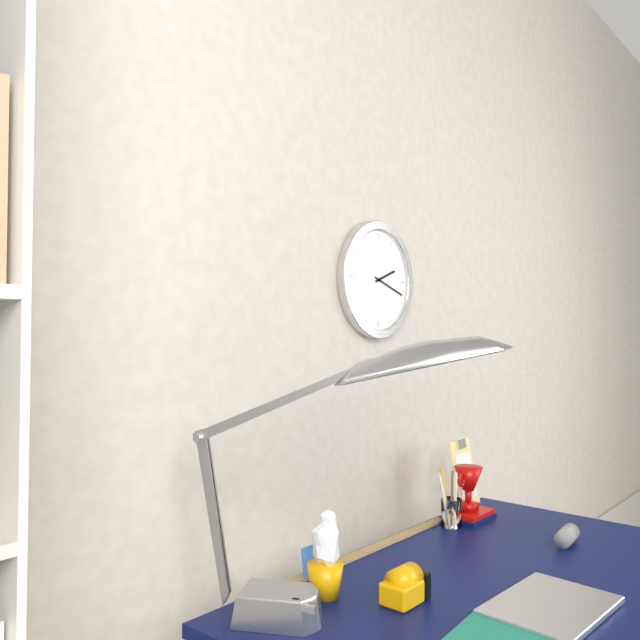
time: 2:18
